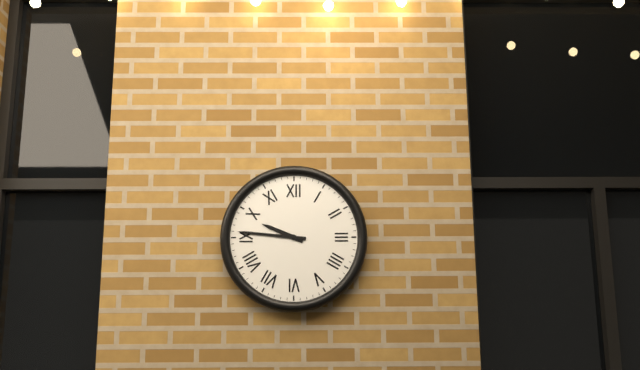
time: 9:46
